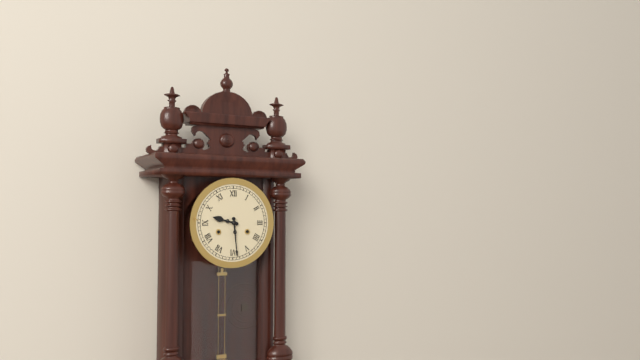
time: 9:29
